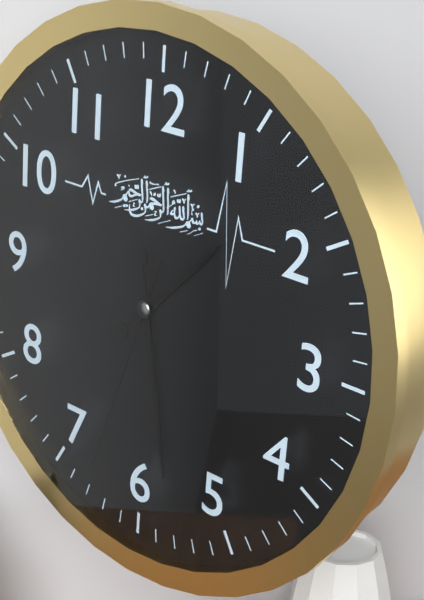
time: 1:28:33
